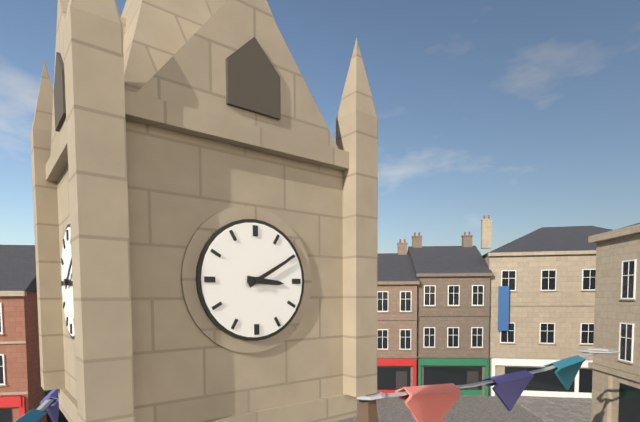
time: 3:10
